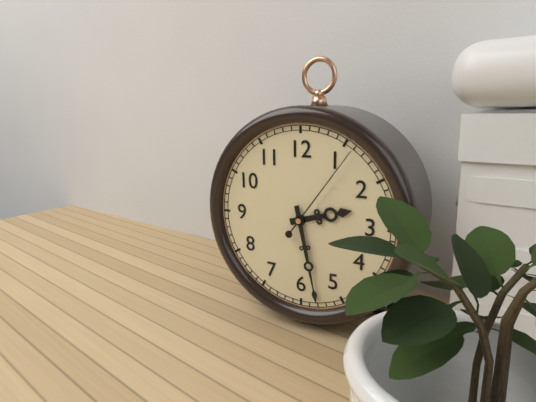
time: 2:28:06
